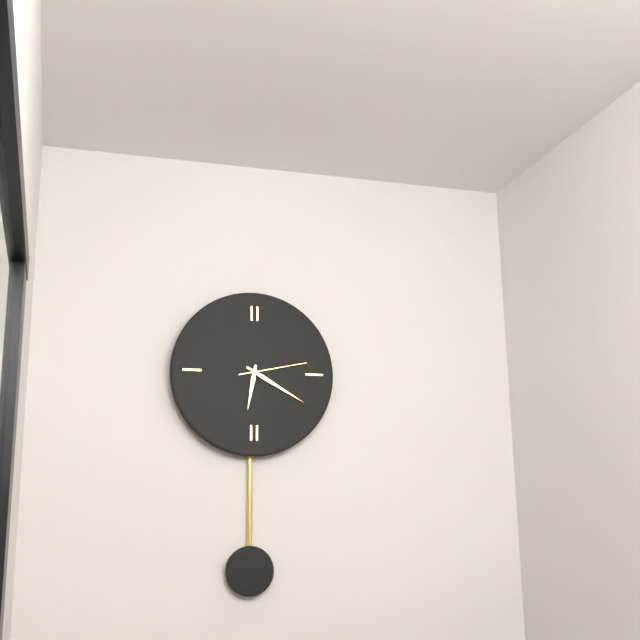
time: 6:20:13
